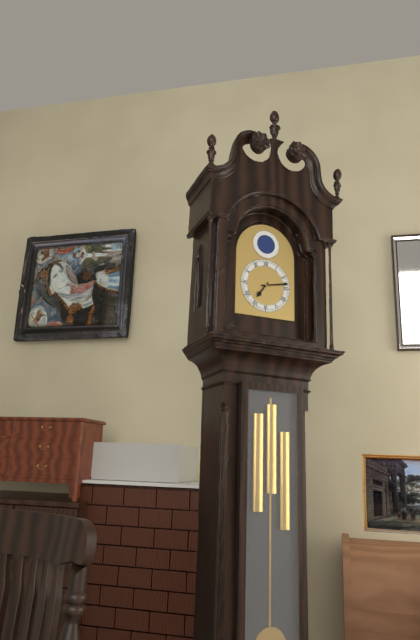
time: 7:13
